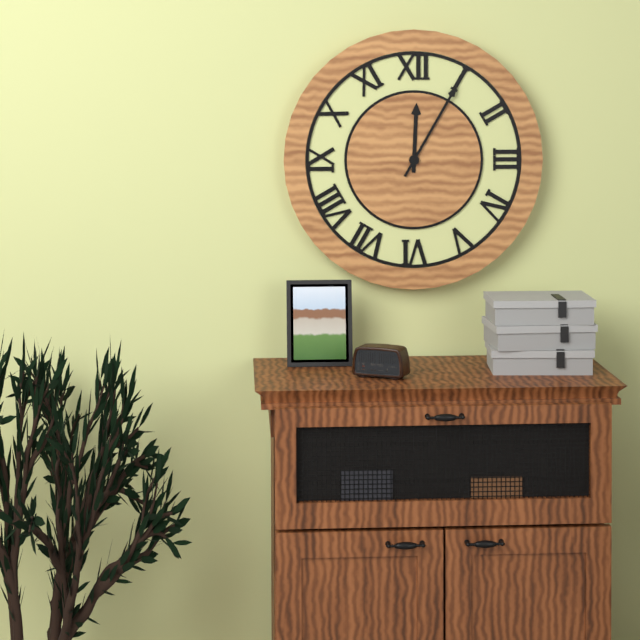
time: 12:05
